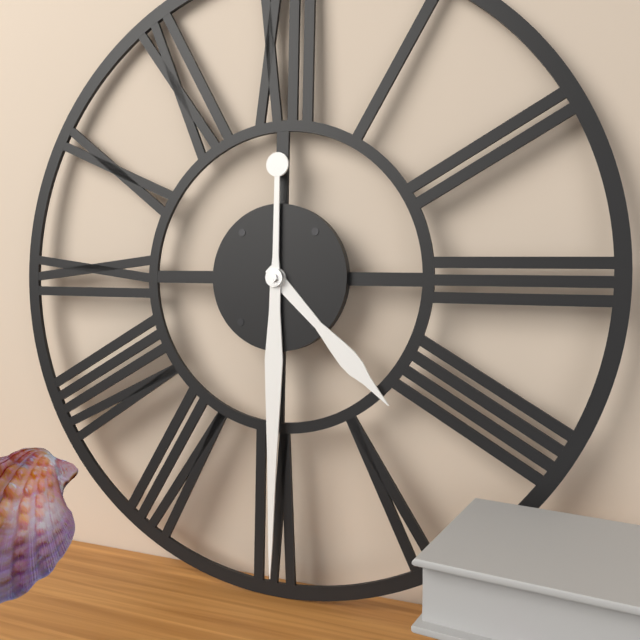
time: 4:30
